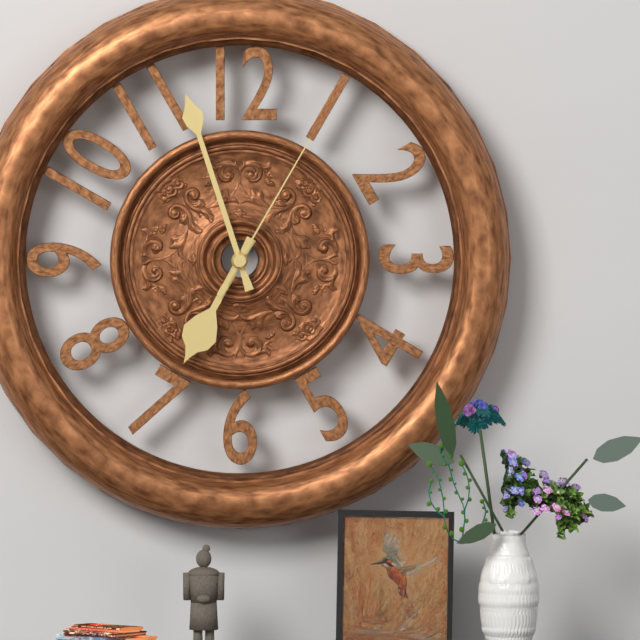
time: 6:57:05
